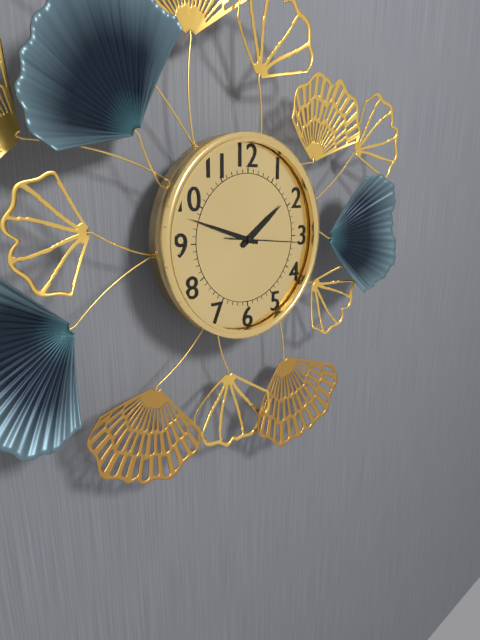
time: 1:48:16
